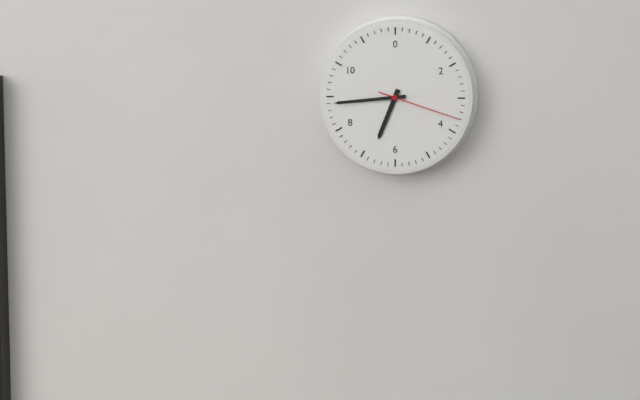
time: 6:44:18
